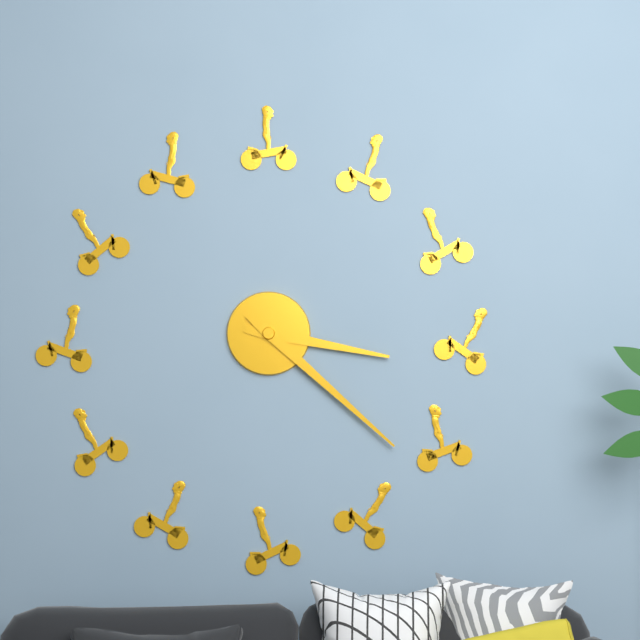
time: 3:22
